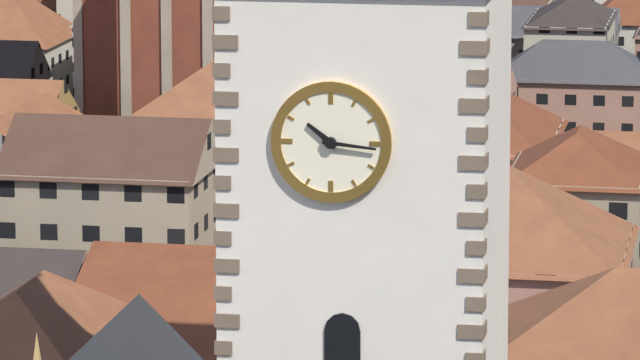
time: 10:16
